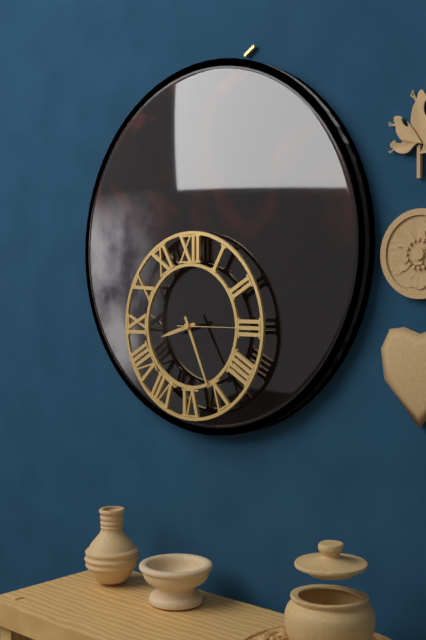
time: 8:26:15
